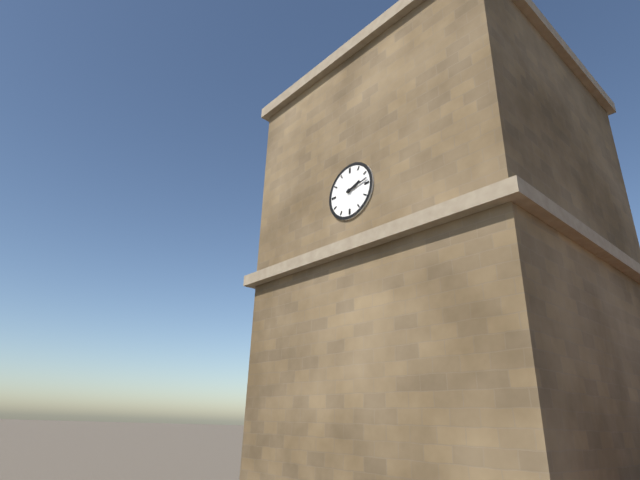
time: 2:13
